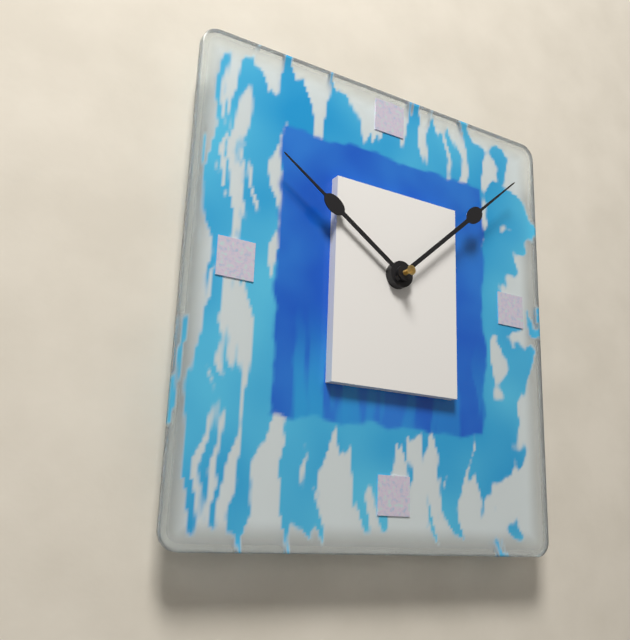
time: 10:08
